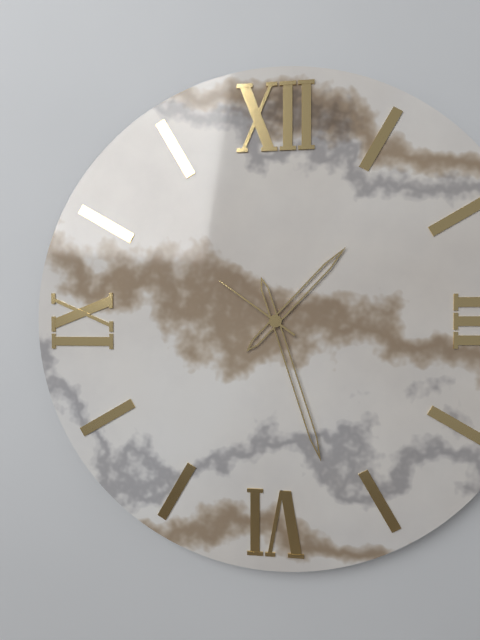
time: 1:27:51
